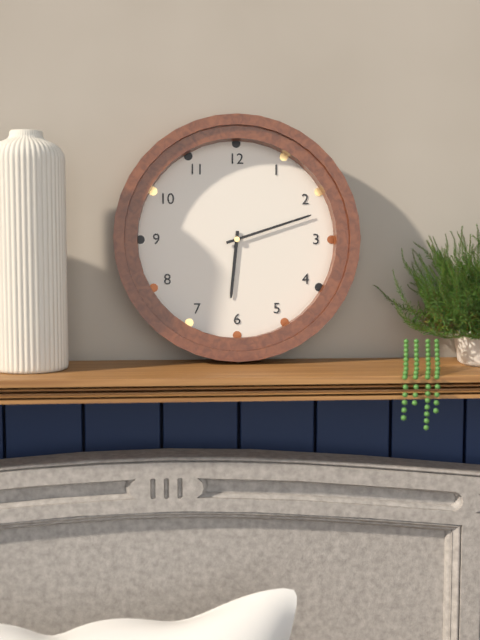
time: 6:12
